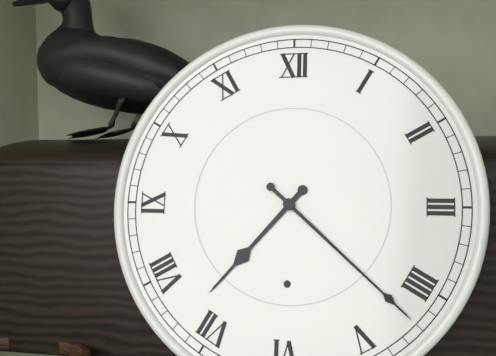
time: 7:22
